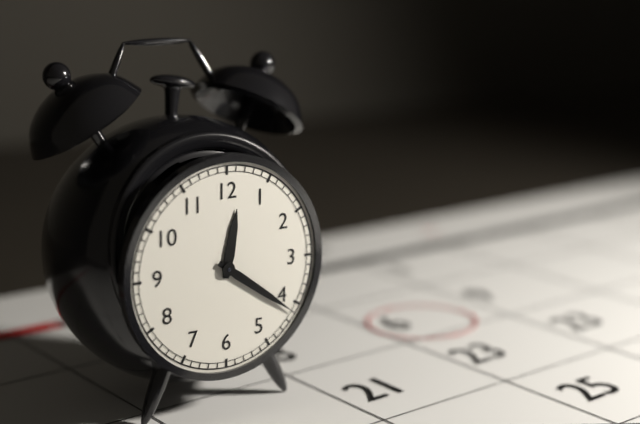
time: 12:21
